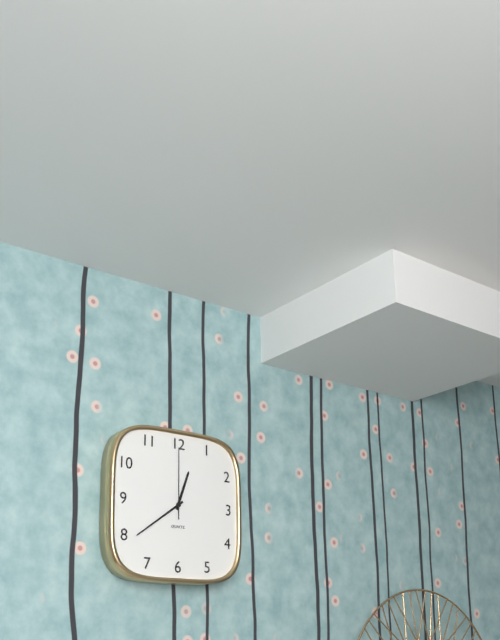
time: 12:39:00
